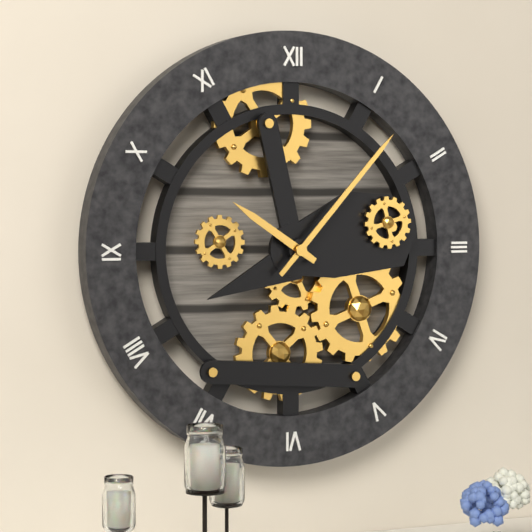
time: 10:07
